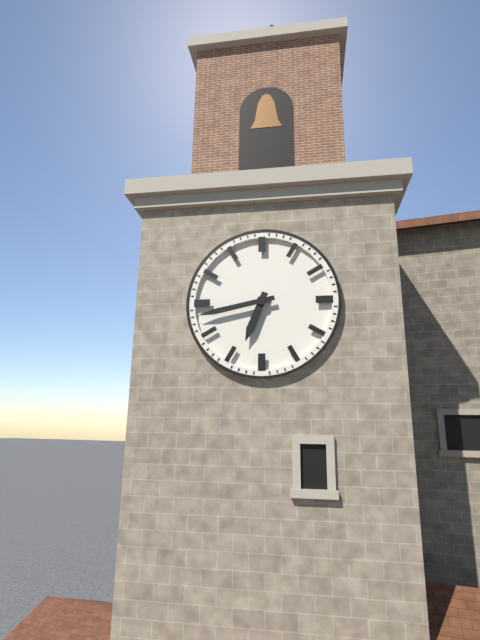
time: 6:43
